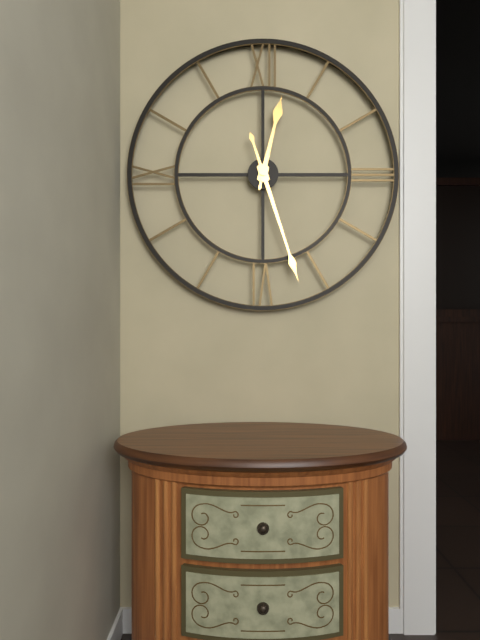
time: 12:27
